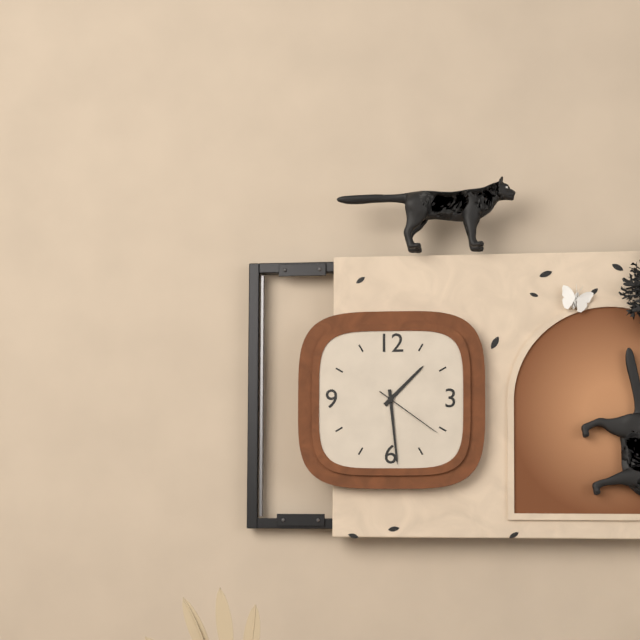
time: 1:29:21
